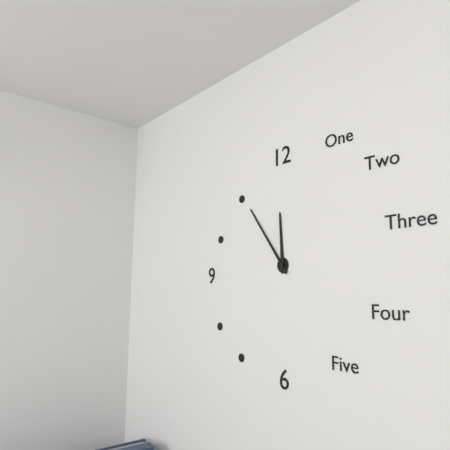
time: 11:54
